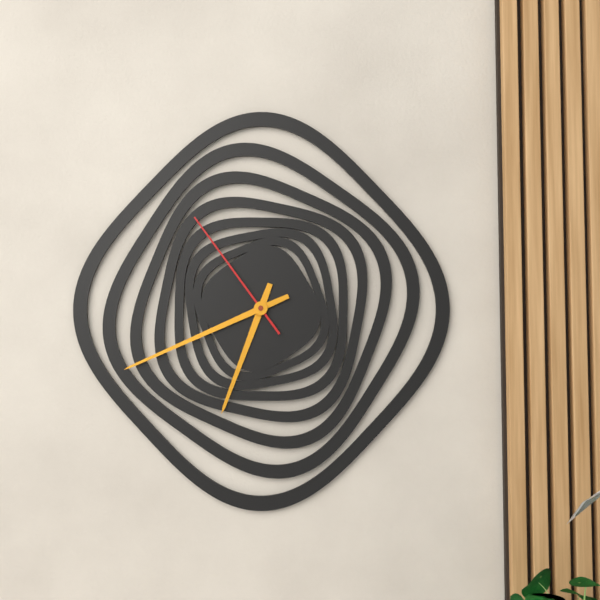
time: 6:41:54
